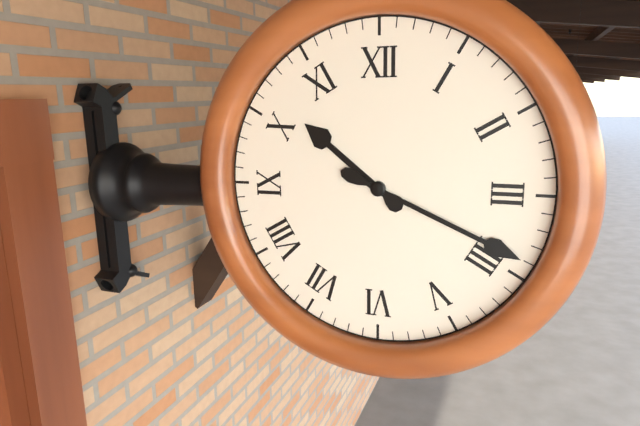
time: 10:19
